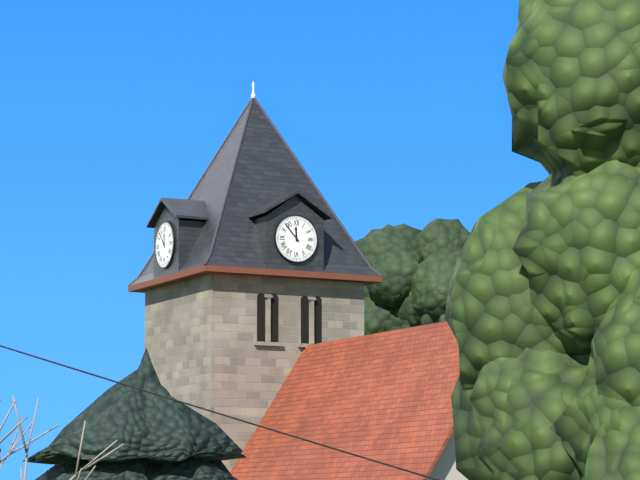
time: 11:53
